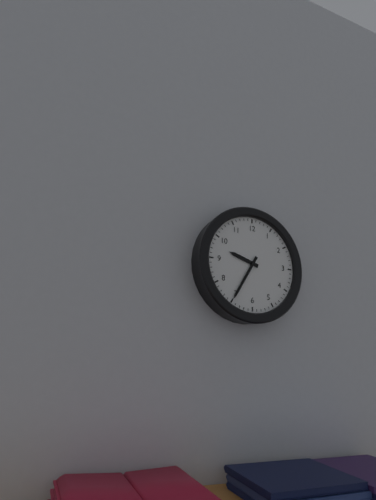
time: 9:35
